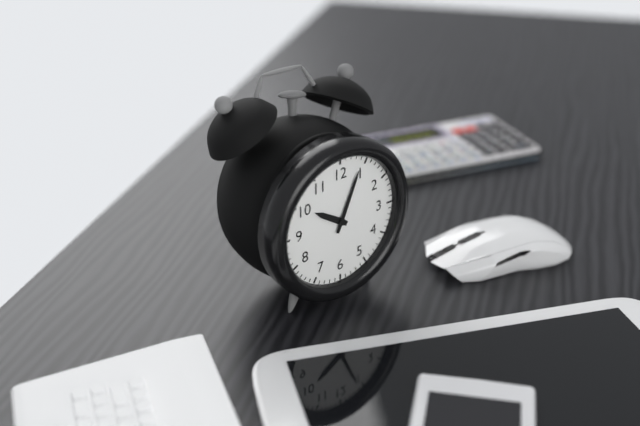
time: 10:04
